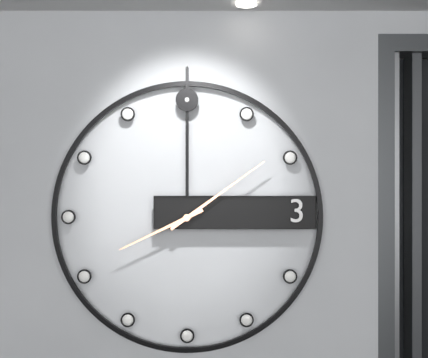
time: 8:09
